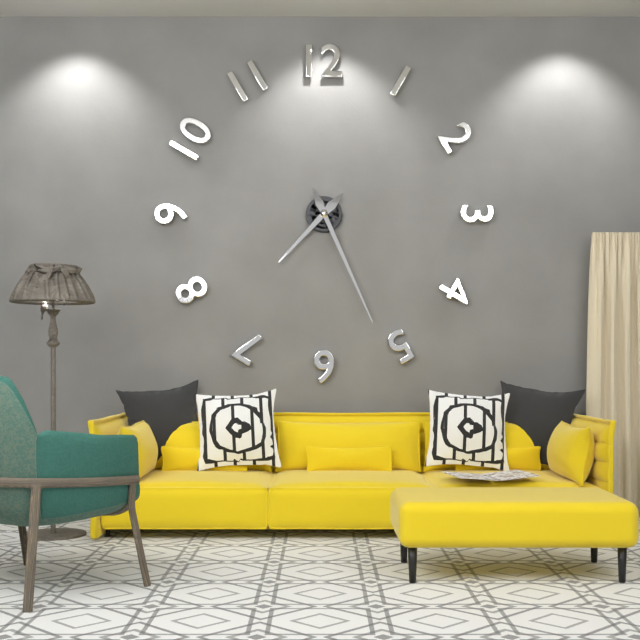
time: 7:26
